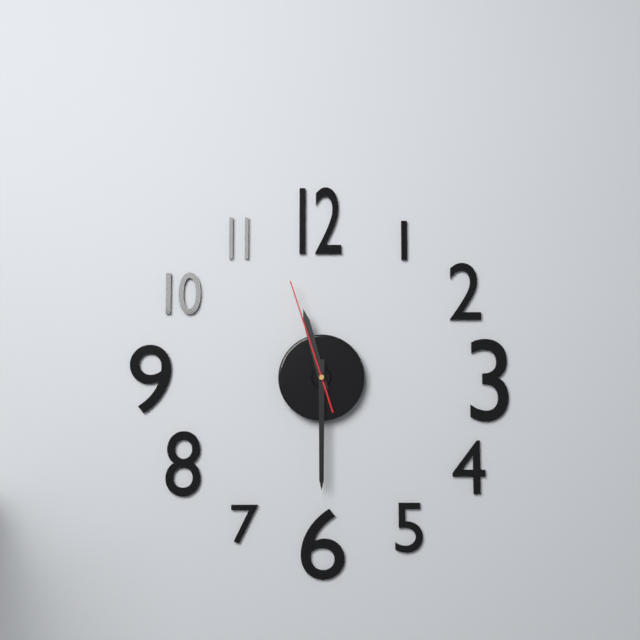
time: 11:30:57
